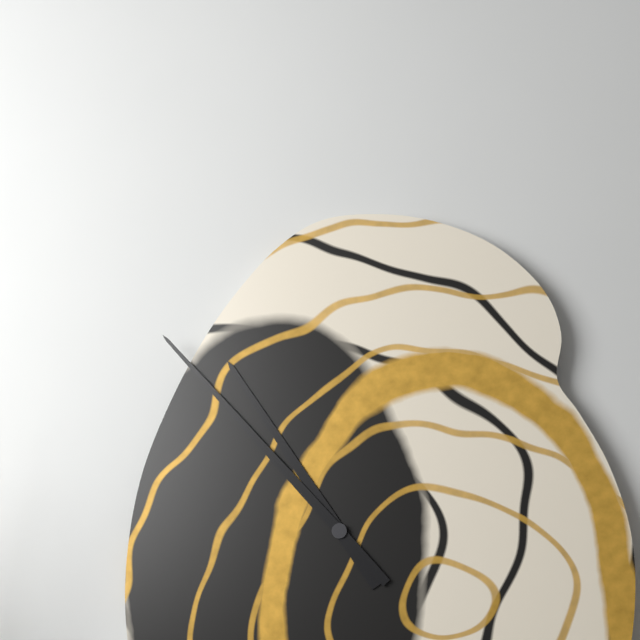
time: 10:53
